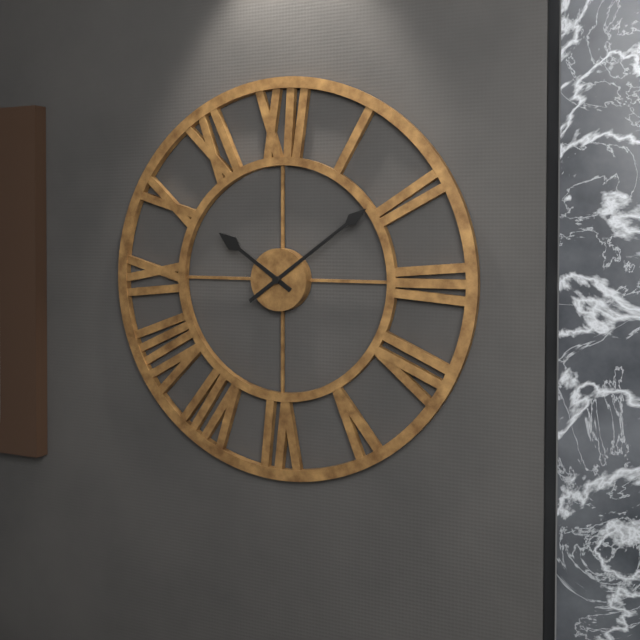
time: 10:09
